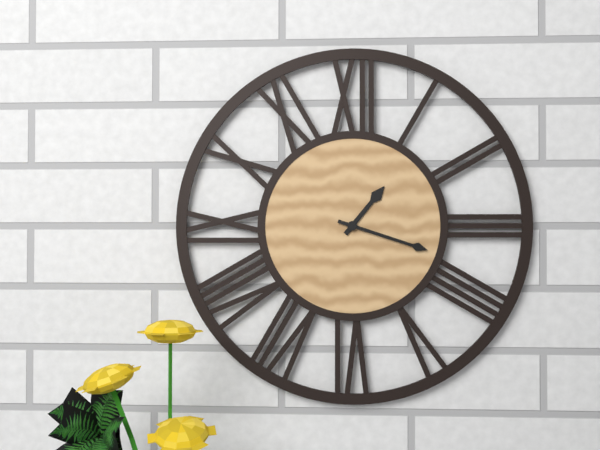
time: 1:18
